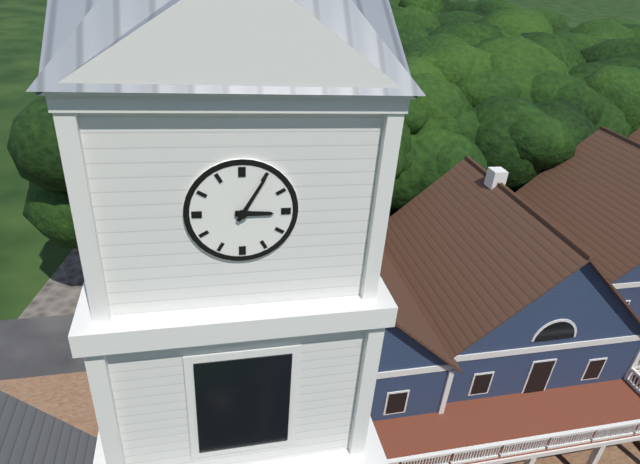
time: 3:05
